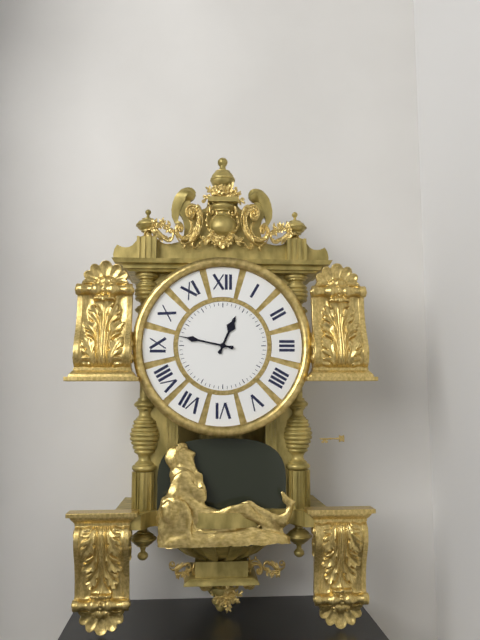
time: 12:47
